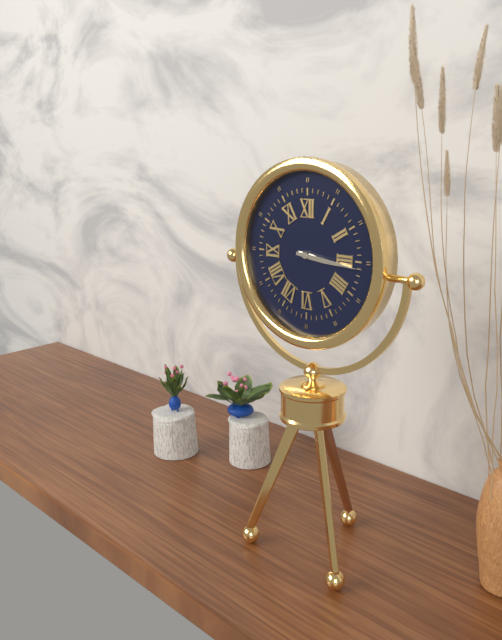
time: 3:16
